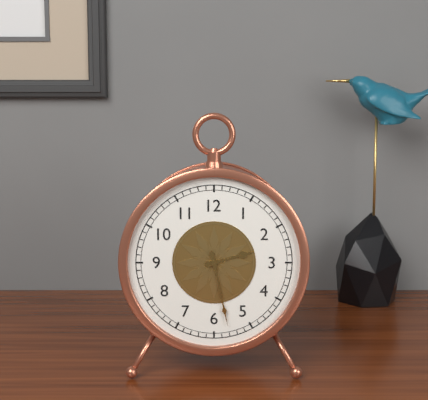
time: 2:28
